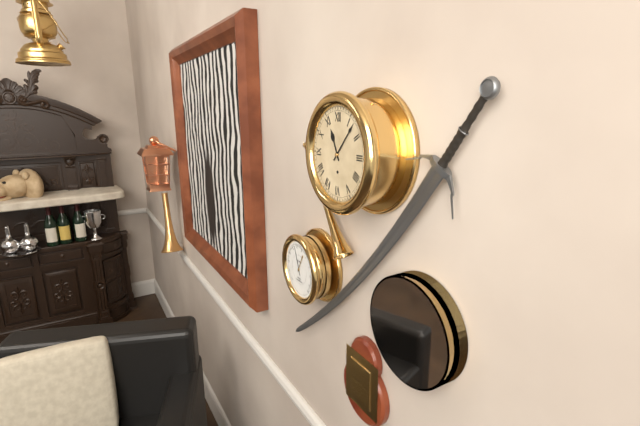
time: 11:07
